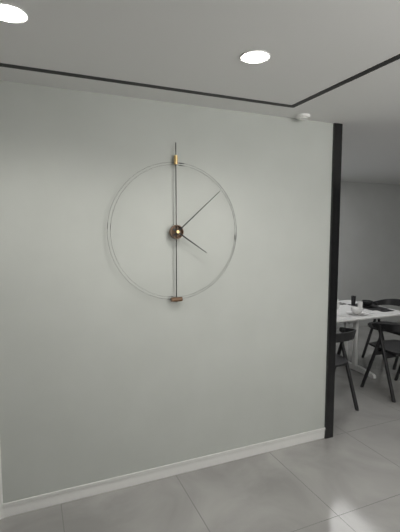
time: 4:08
